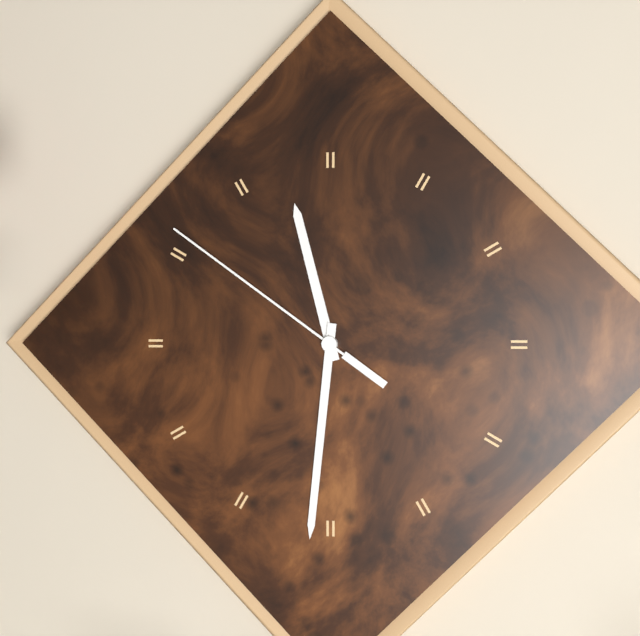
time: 11:31:51
